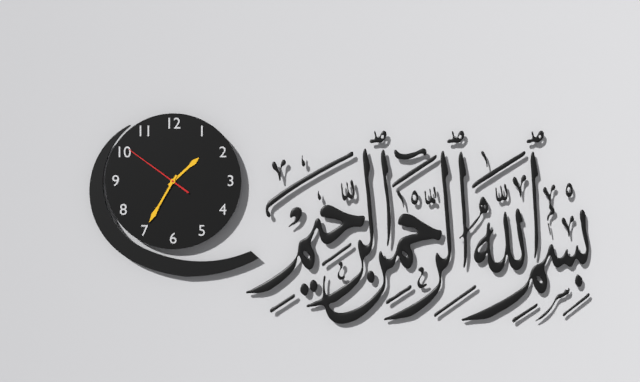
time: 1:35:51
